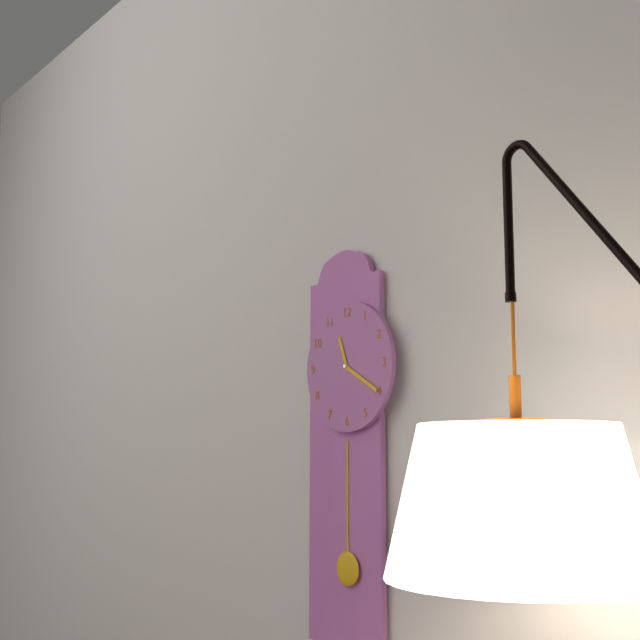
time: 11:20
